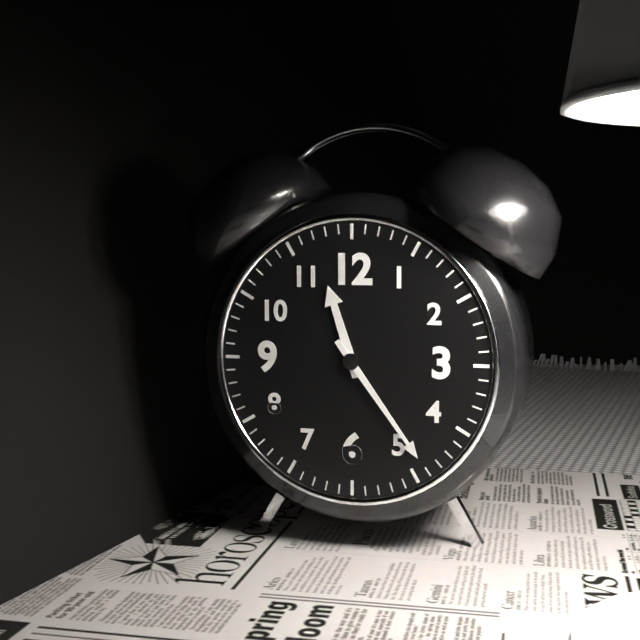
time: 11:24
